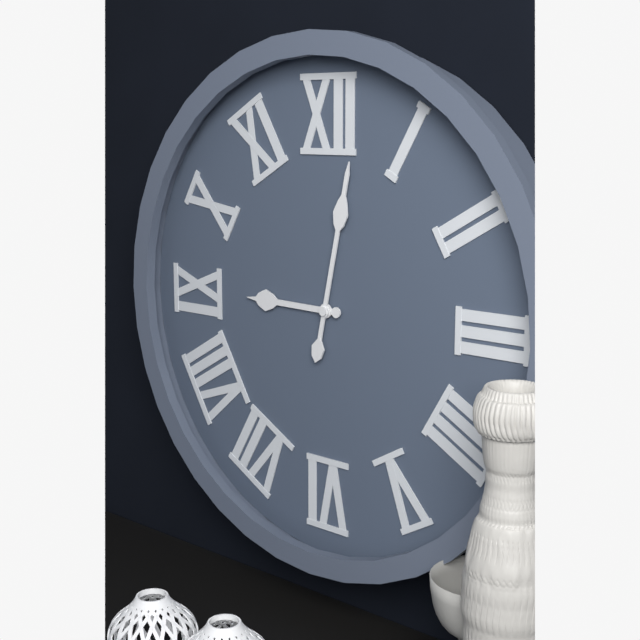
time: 9:02
